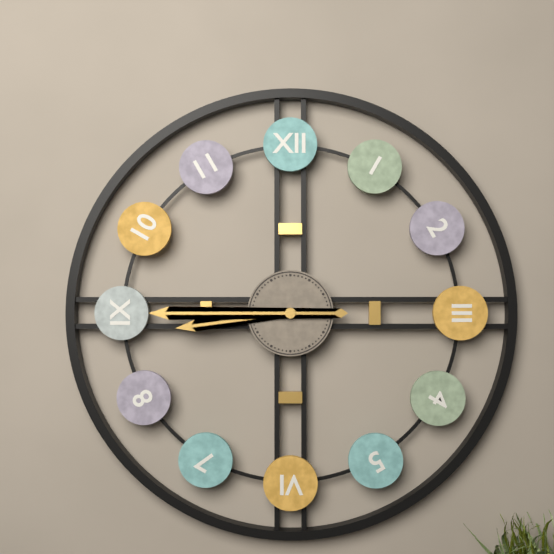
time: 8:45
